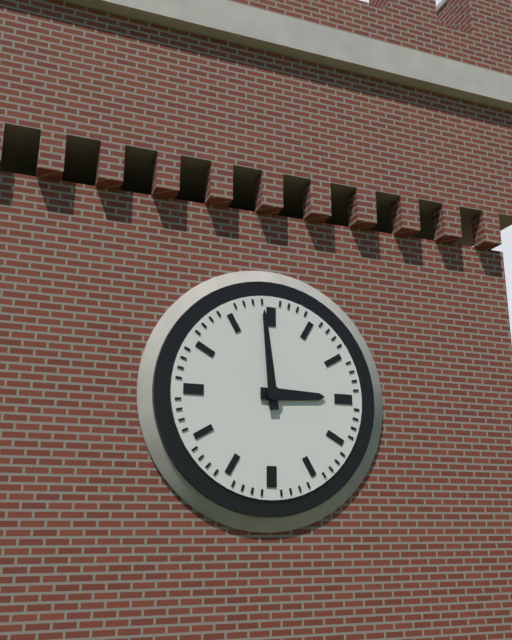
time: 2:59
